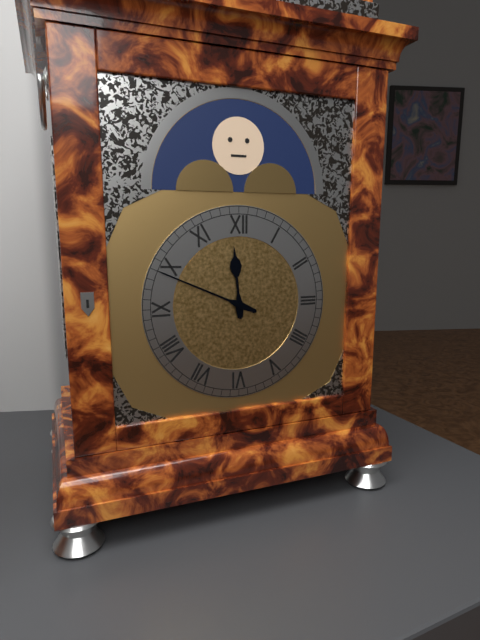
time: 11:49
